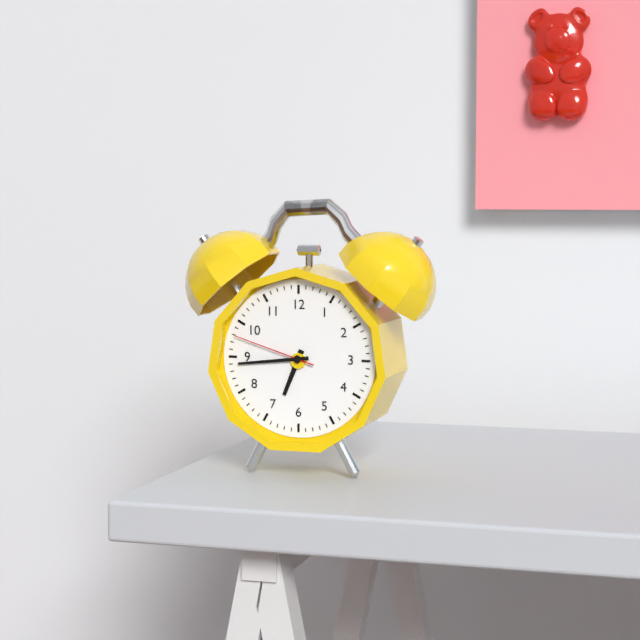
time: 6:44:48
